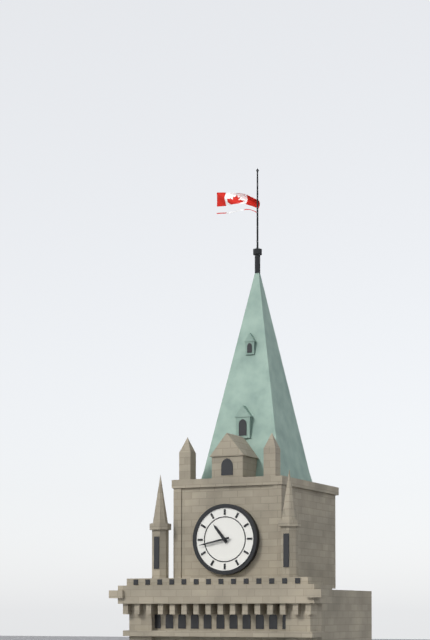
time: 10:43
